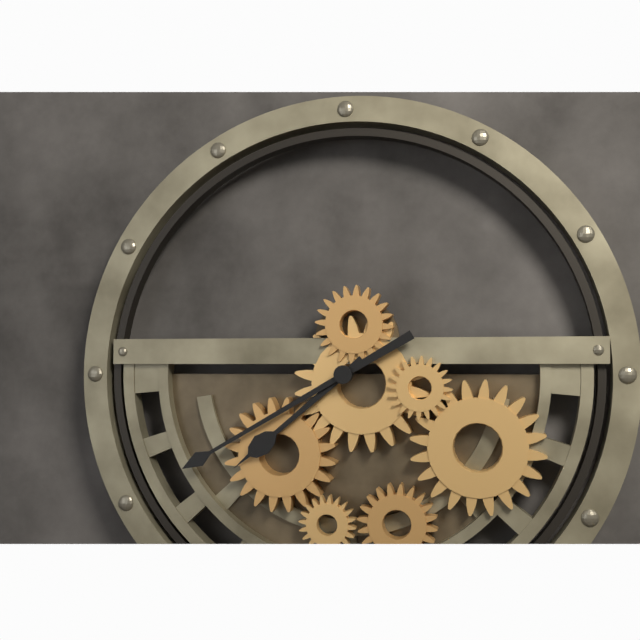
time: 7:40
